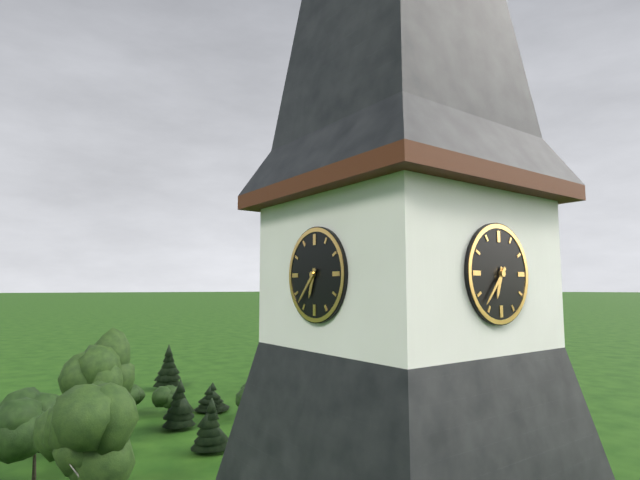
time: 6:37
